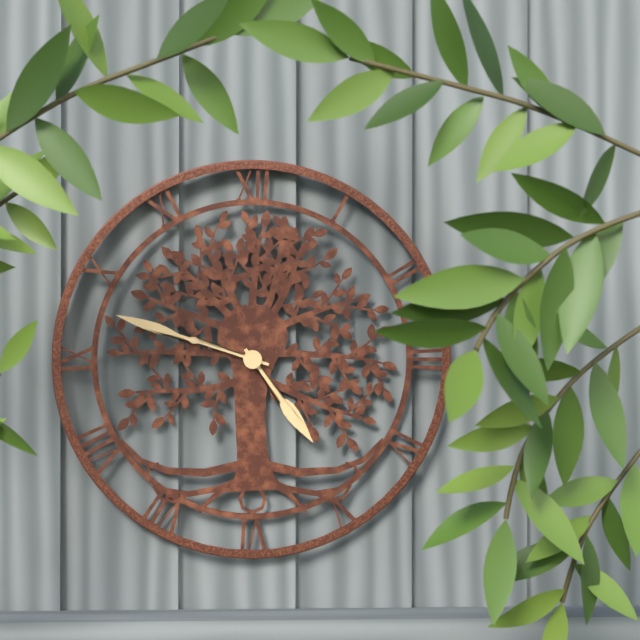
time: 4:48
